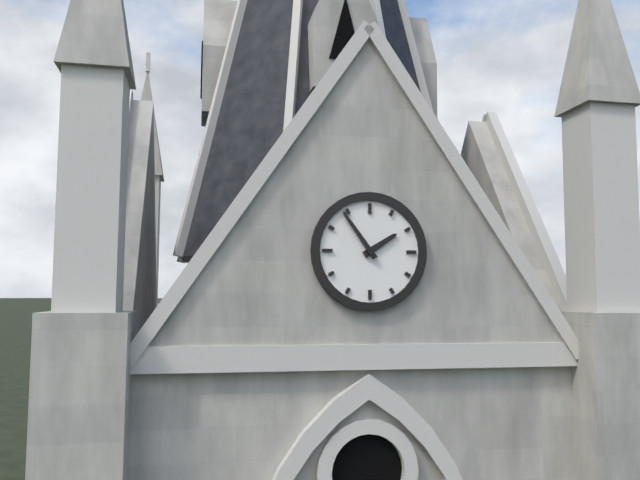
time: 1:54
